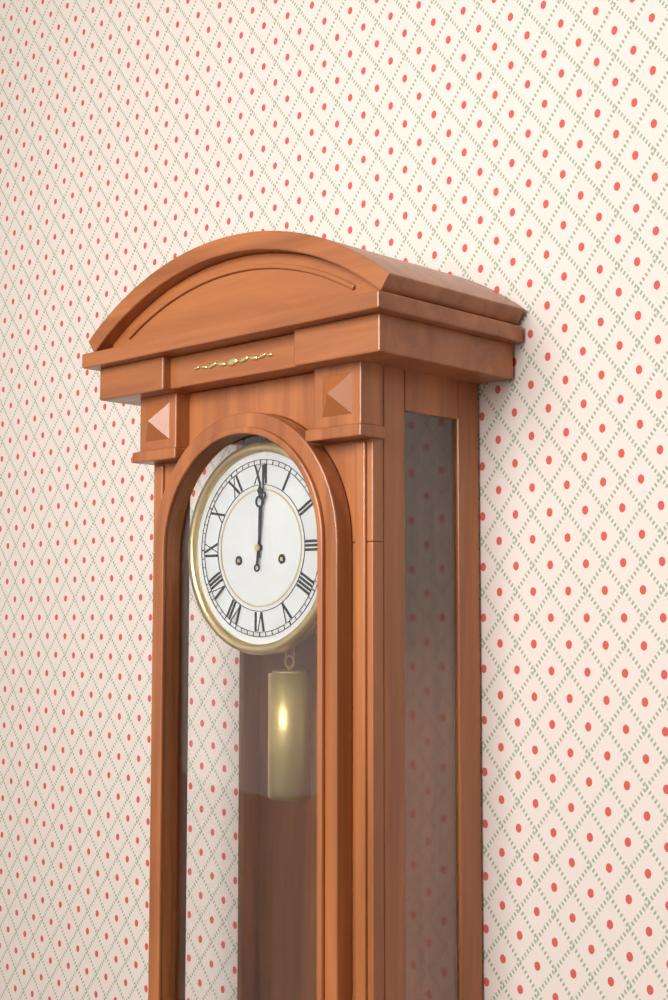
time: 12:01
